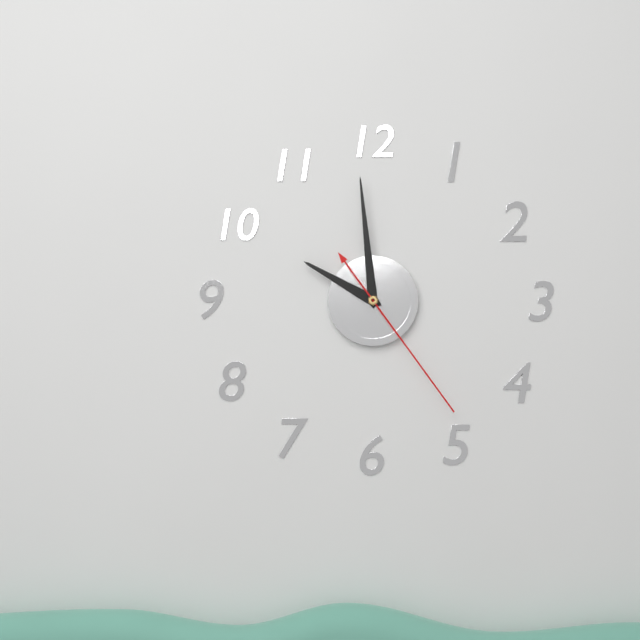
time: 9:59:24
